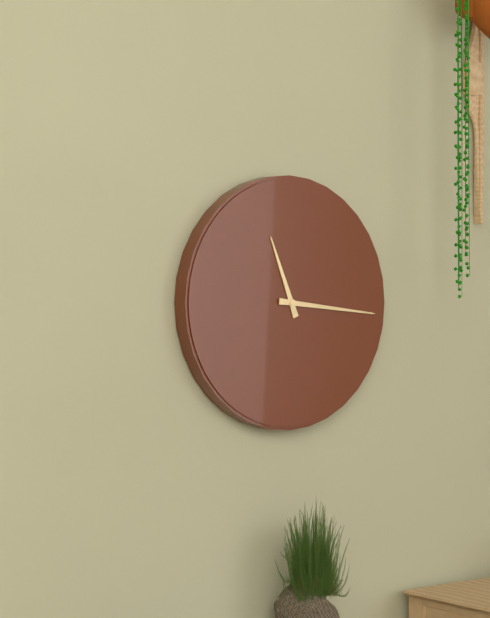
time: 11:16
